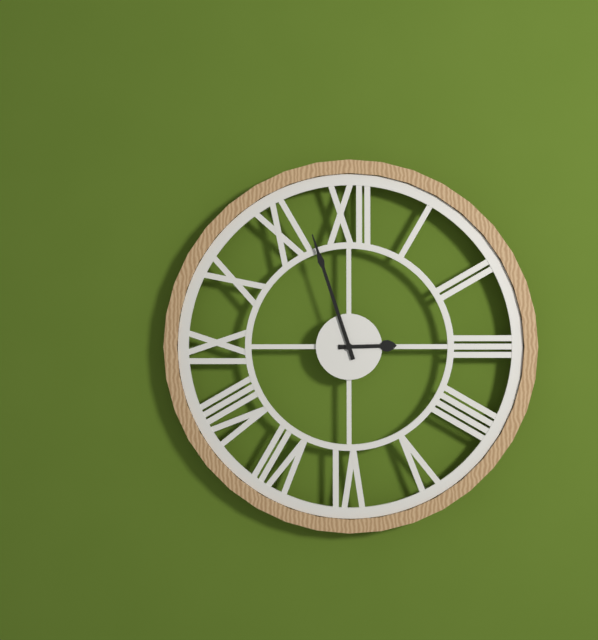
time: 2:57
